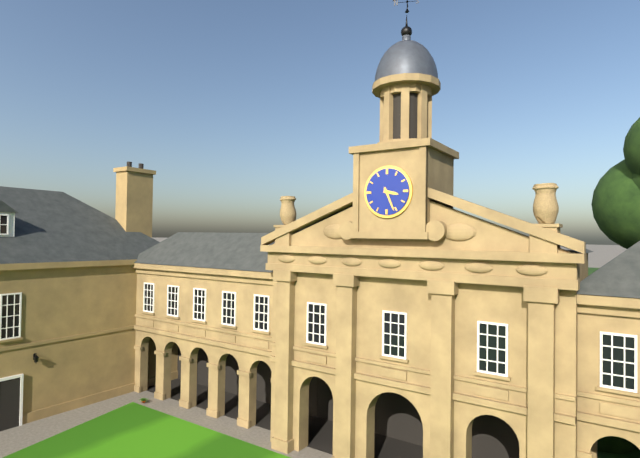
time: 3:26
